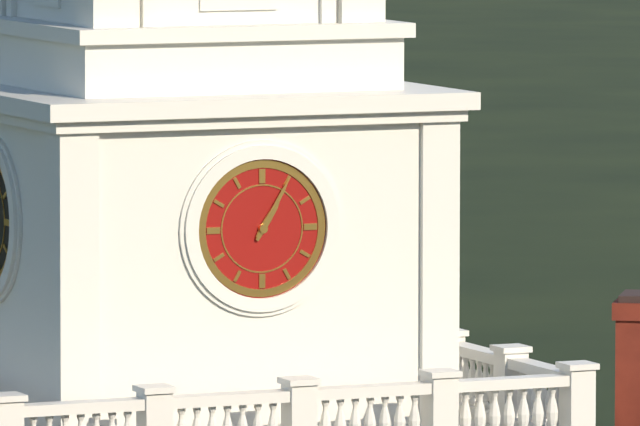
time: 1:05
